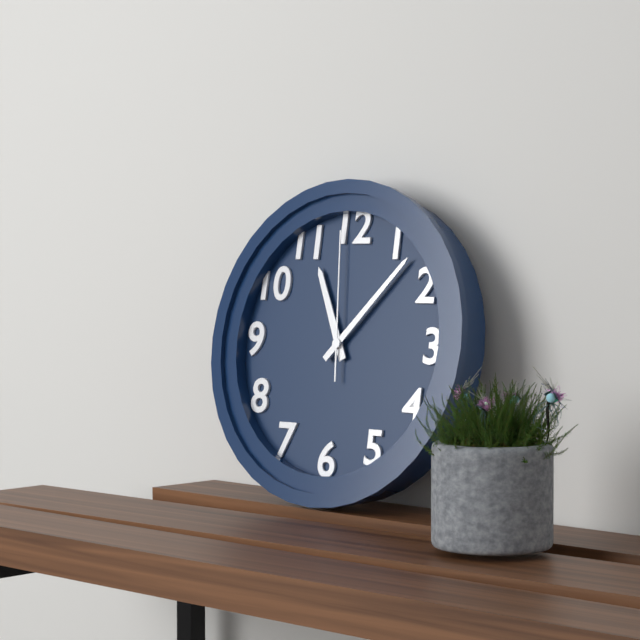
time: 11:07:59
